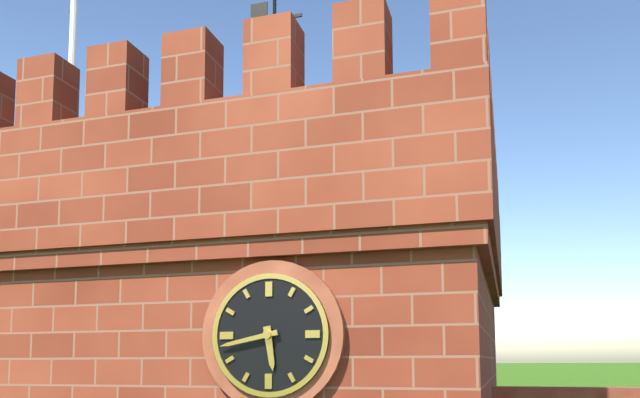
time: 5:43
